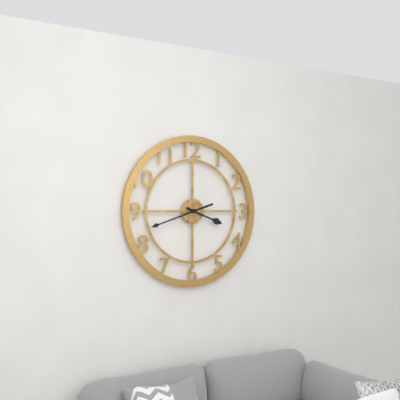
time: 3:42
